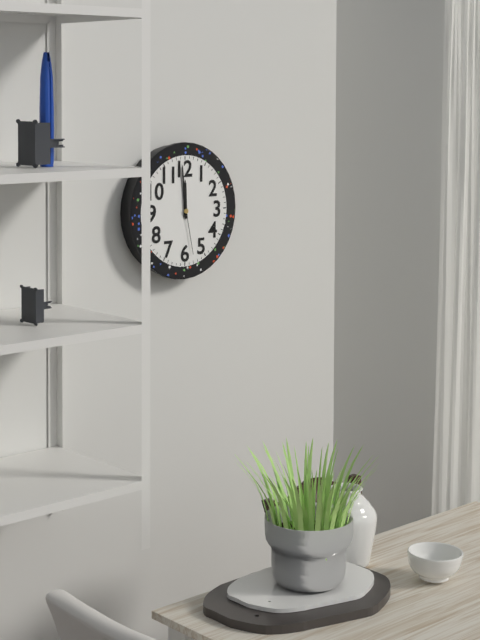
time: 11:59:28
